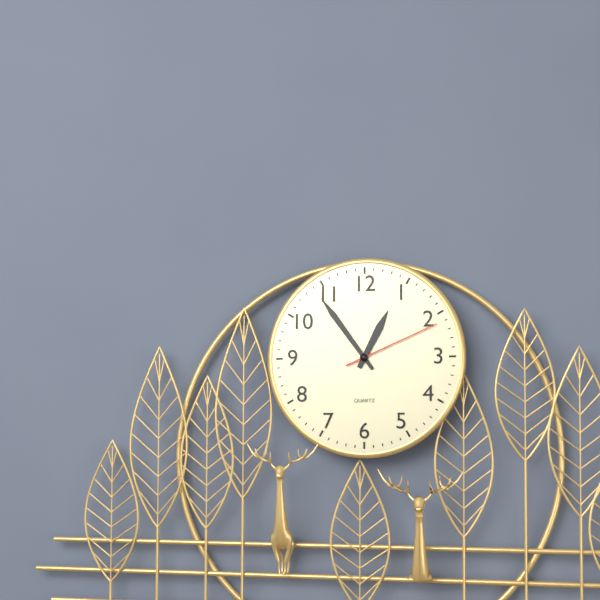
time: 12:54:11
